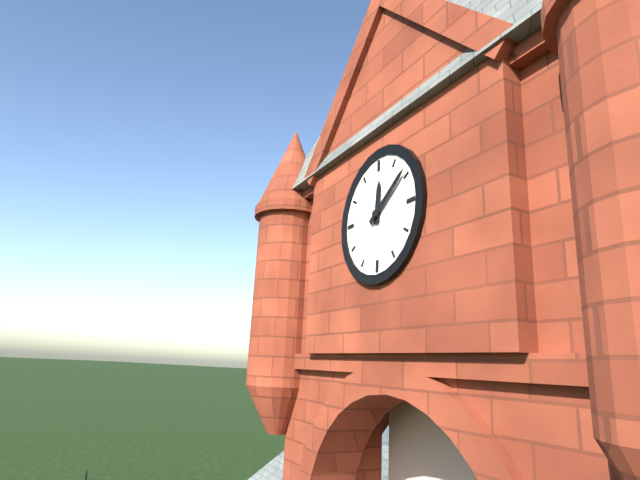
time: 12:09
